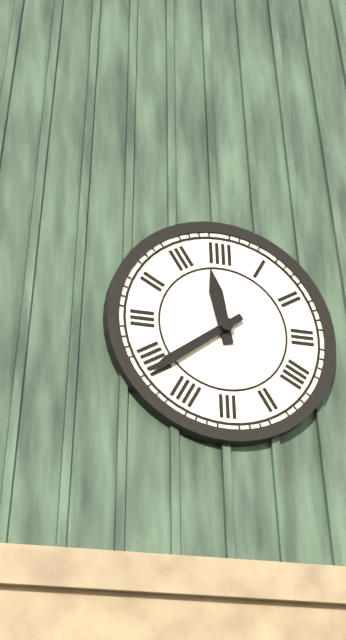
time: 11:39
